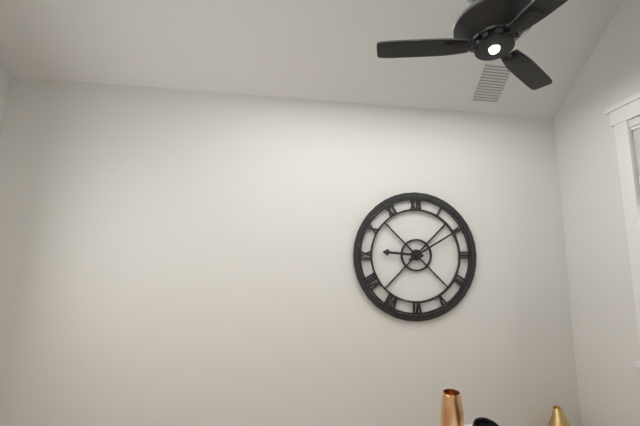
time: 9:10
